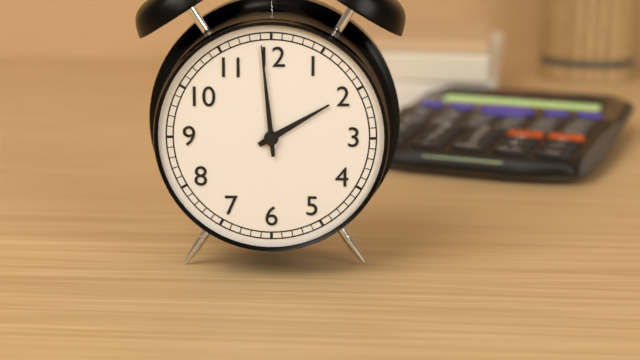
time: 1:59
